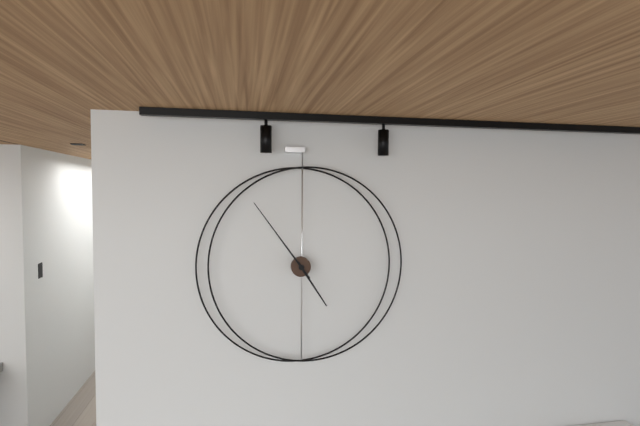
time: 4:54
